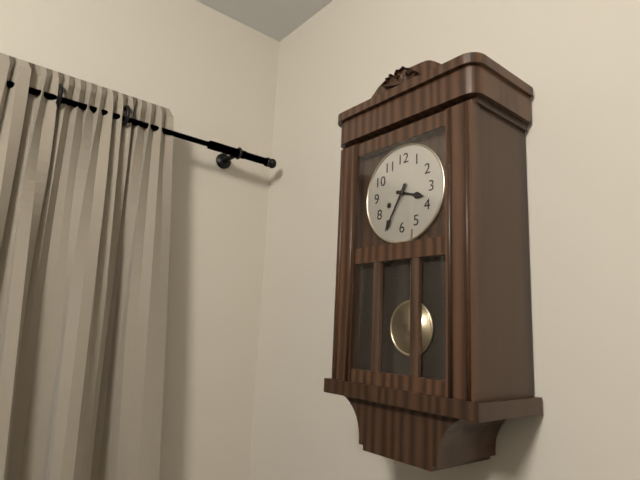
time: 3:35
